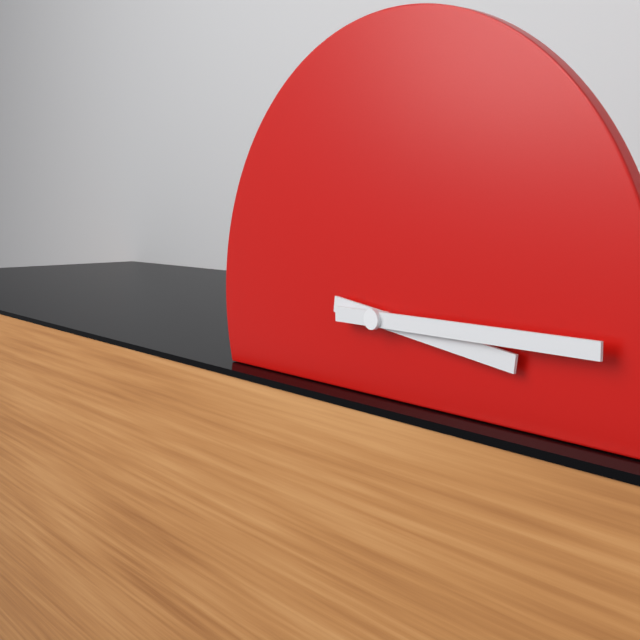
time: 3:15
